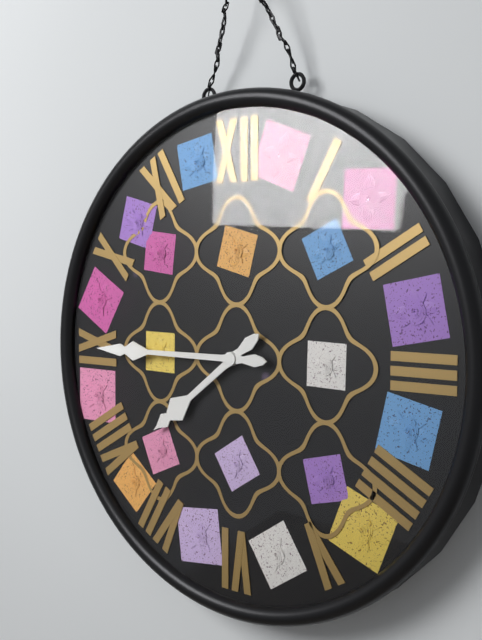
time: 7:45
